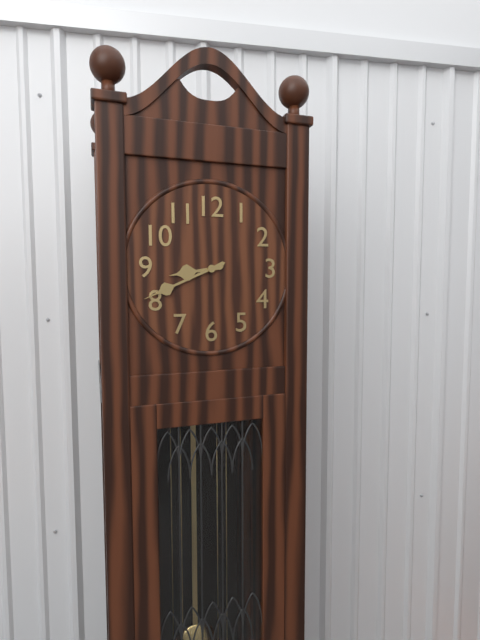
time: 8:41
